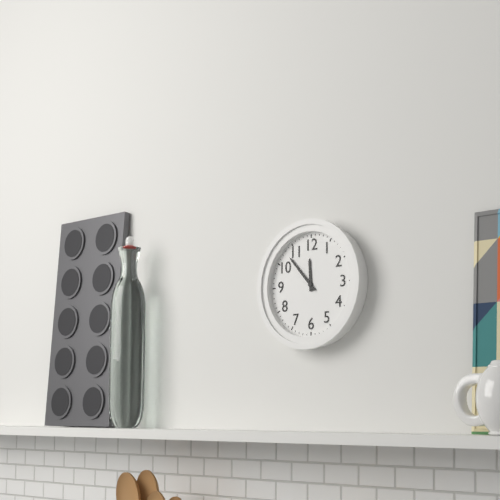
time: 11:53
